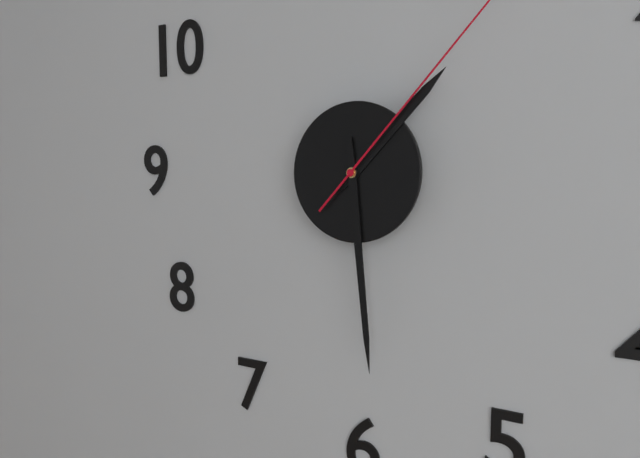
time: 1:29
